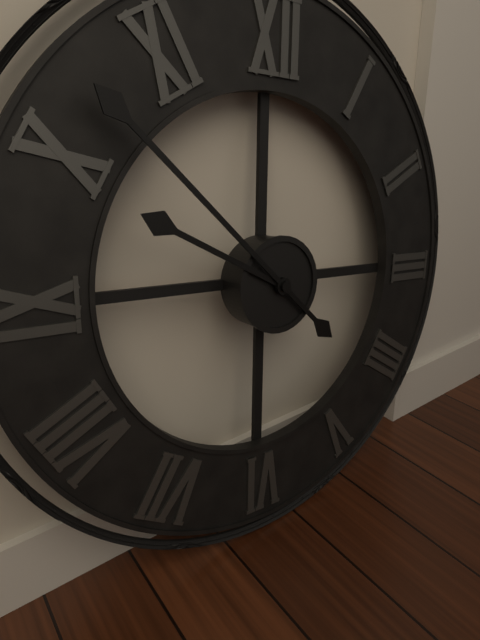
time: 9:52
